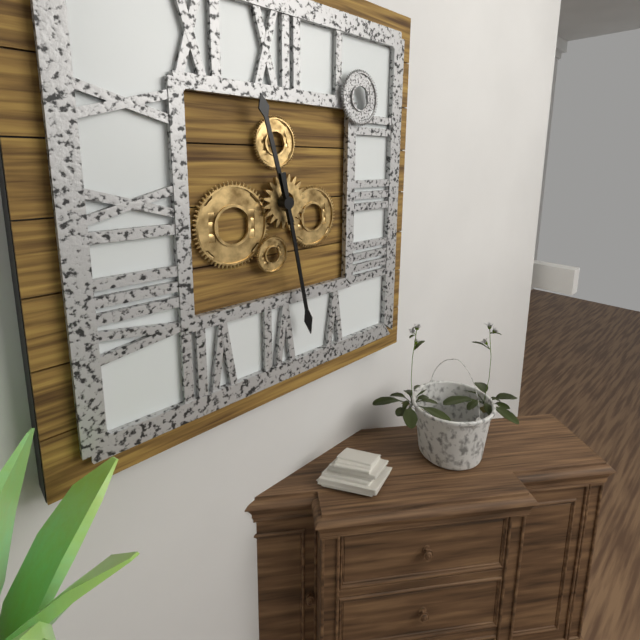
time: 11:28
